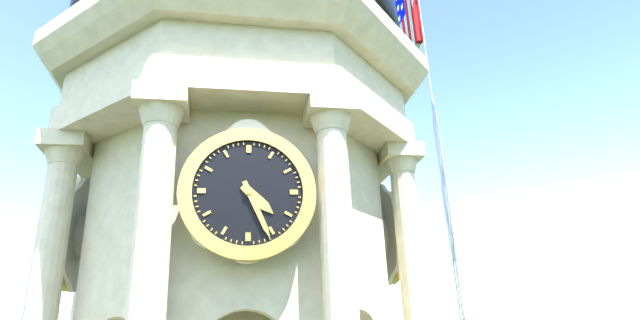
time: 4:26
